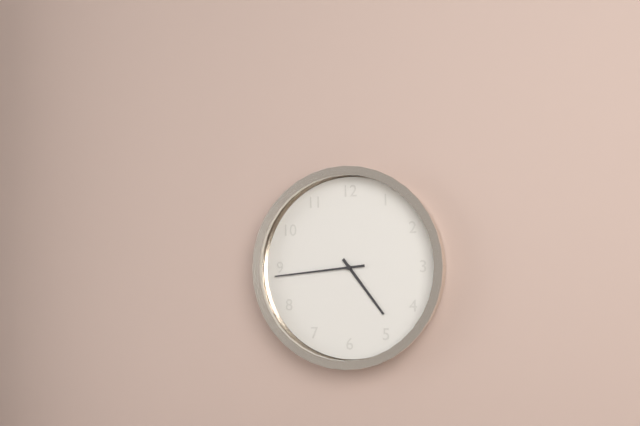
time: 4:44
